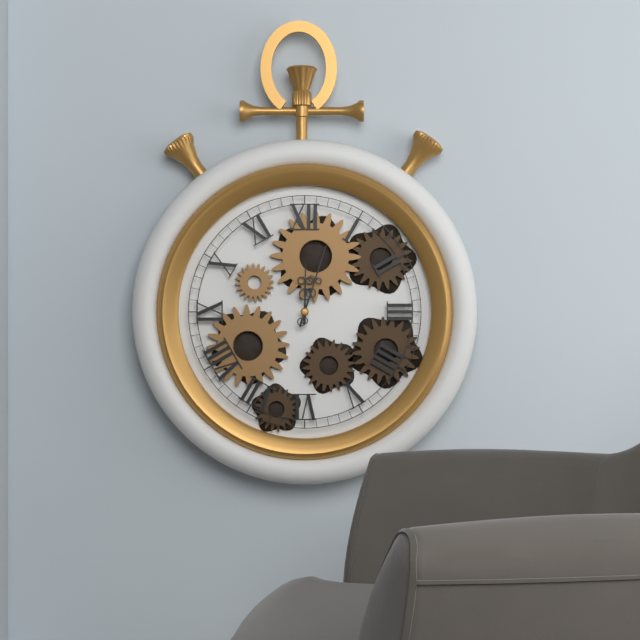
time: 12:03
